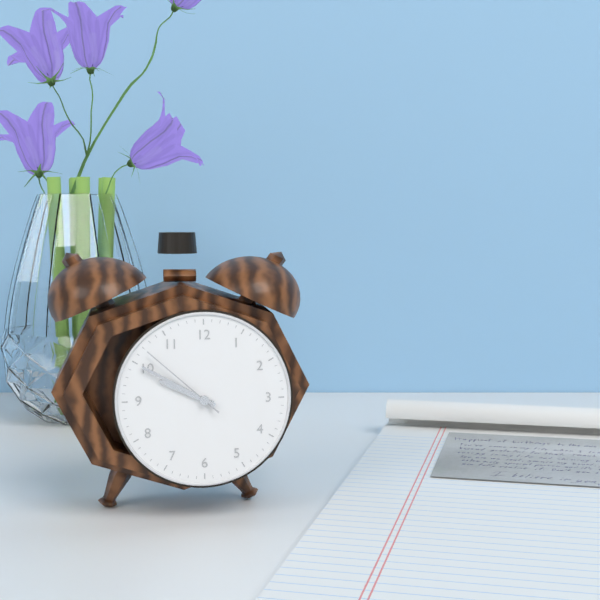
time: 9:50:52
